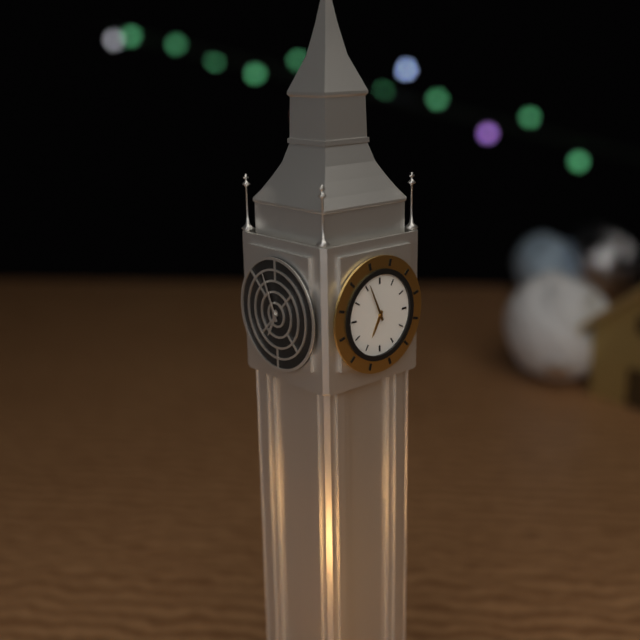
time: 6:56
